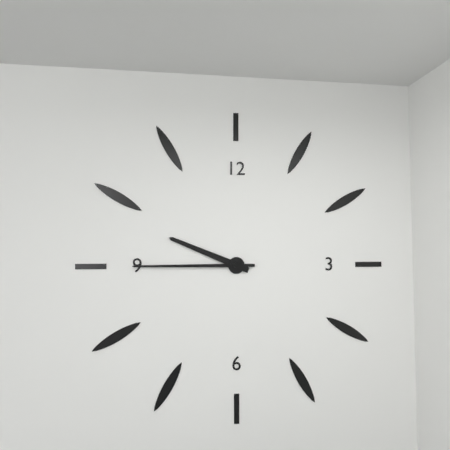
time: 9:45
